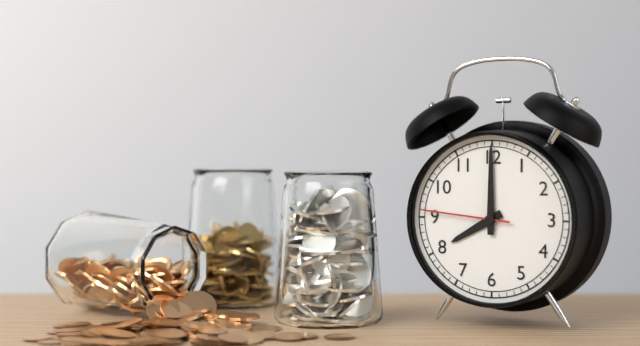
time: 8:00:46
